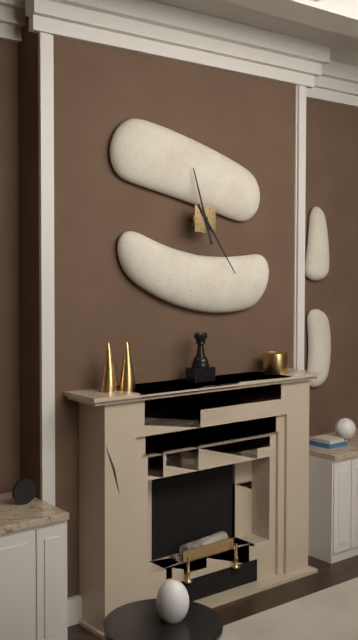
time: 11:24
